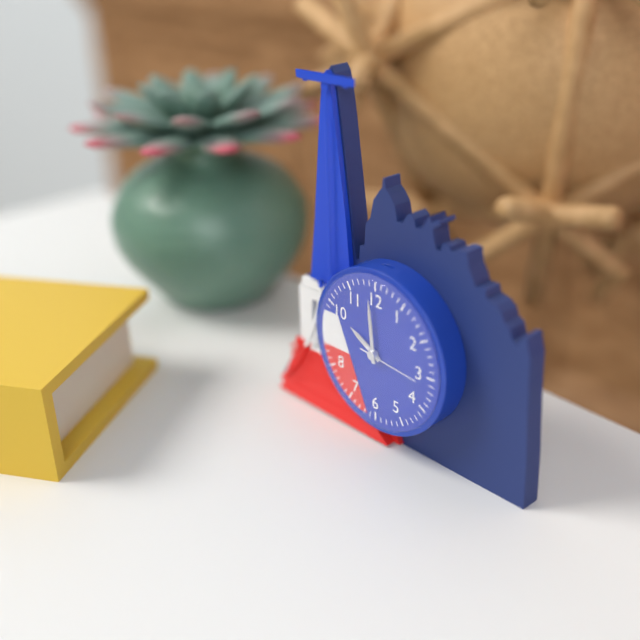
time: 9:59:16
